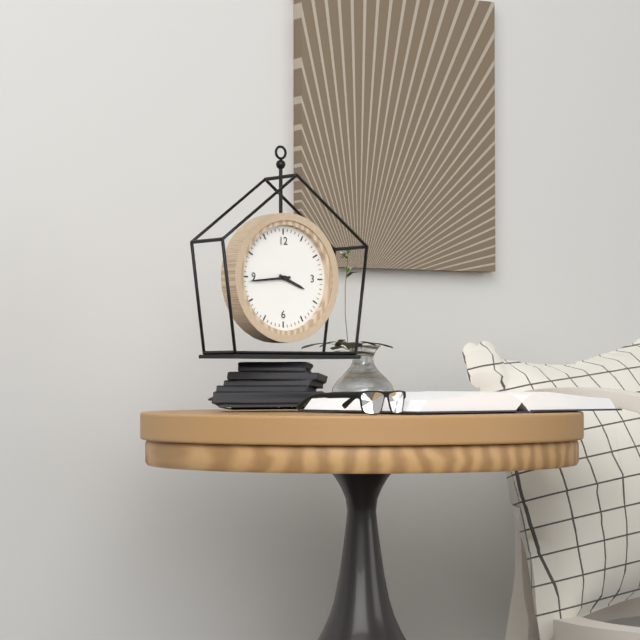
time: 3:44
